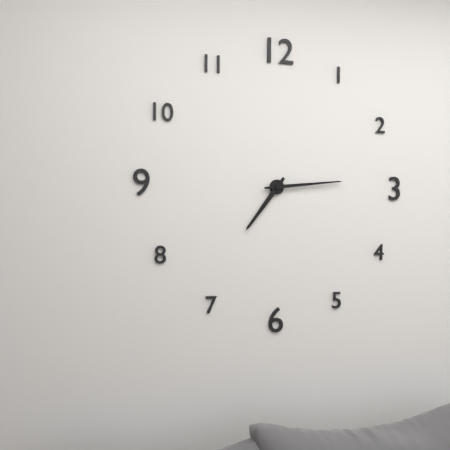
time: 7:14
